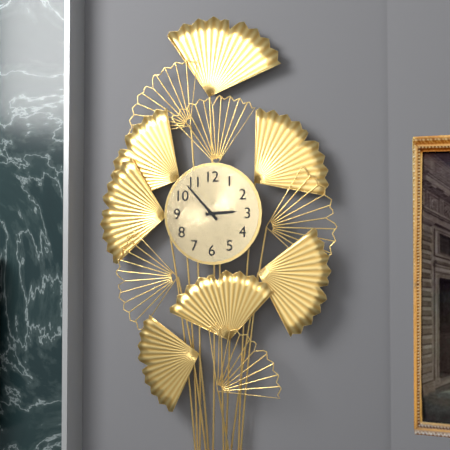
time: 2:53
